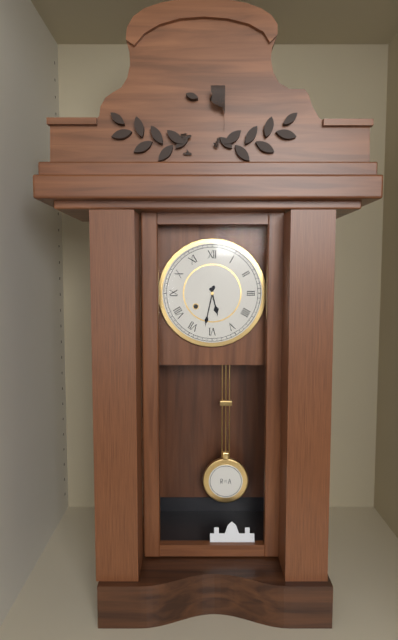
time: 5:32
